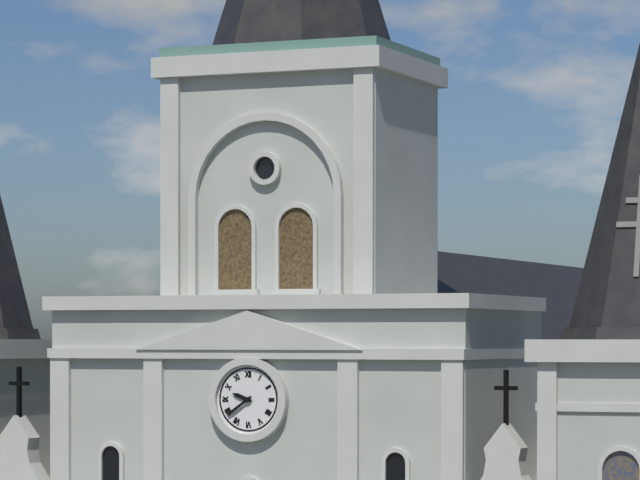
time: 9:39
